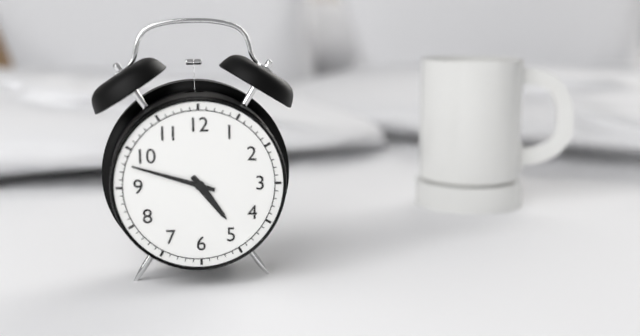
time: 4:48
